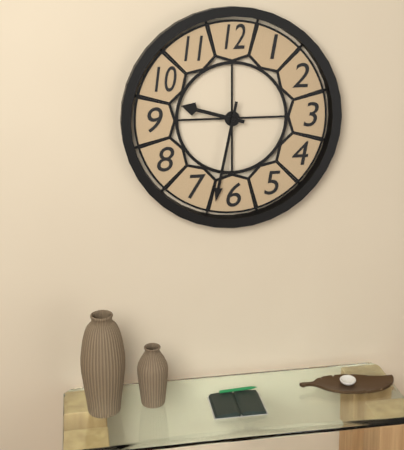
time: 9:32
